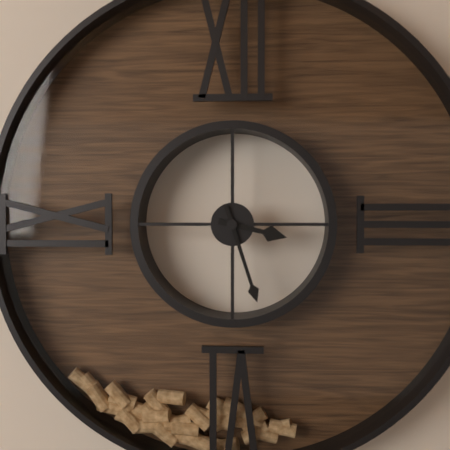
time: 3:27
